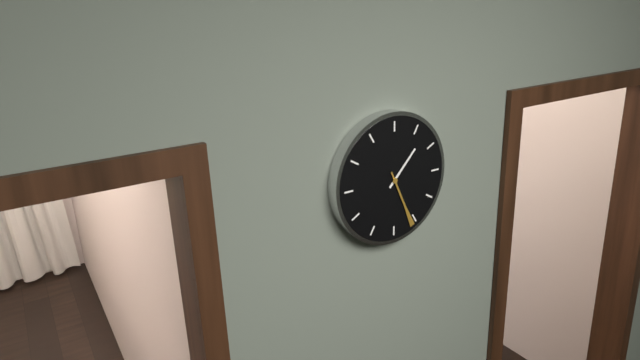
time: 1:26
